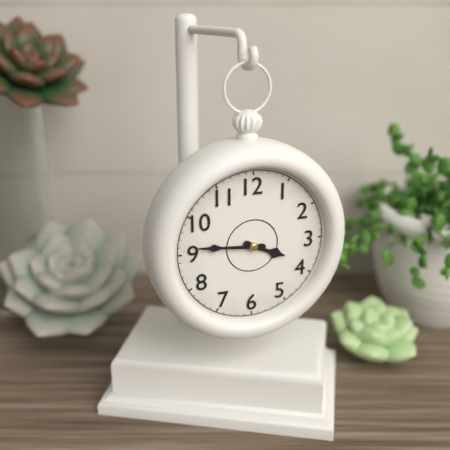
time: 3:46
